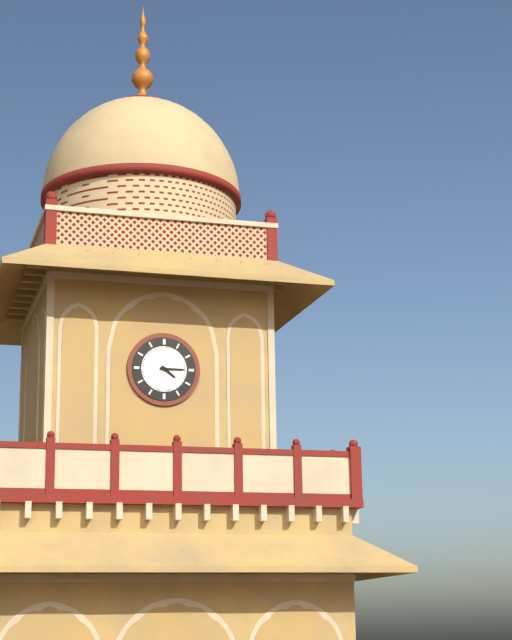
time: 4:15
